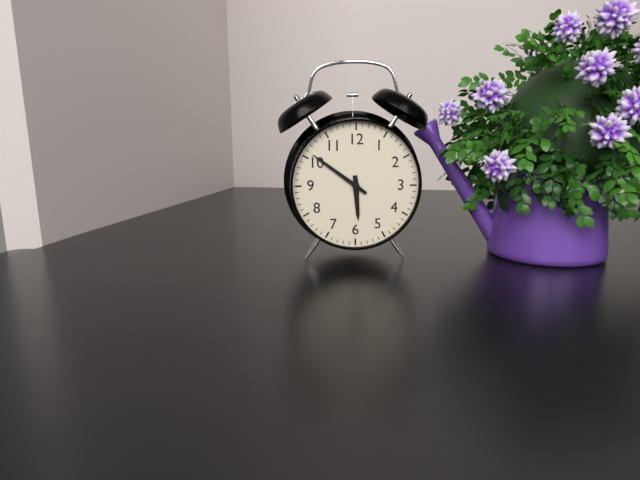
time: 5:51
